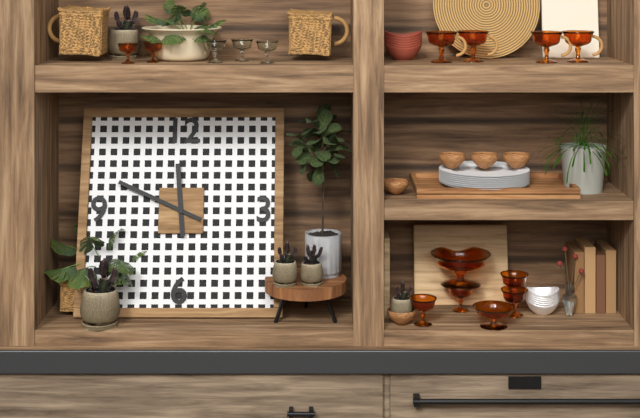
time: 11:49
